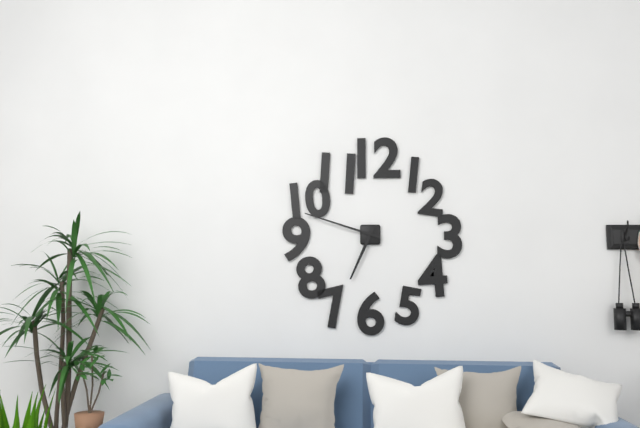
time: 6:48
